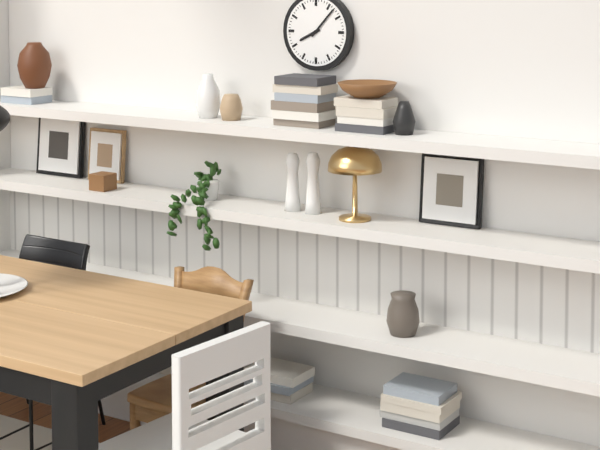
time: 8:07
